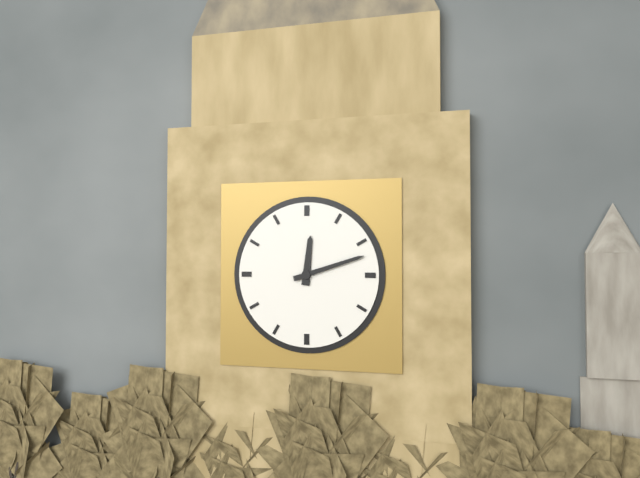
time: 12:12
